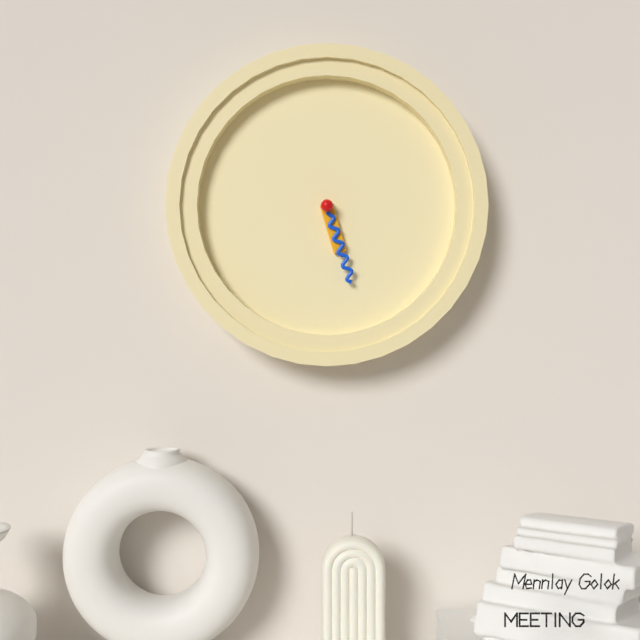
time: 5:27
